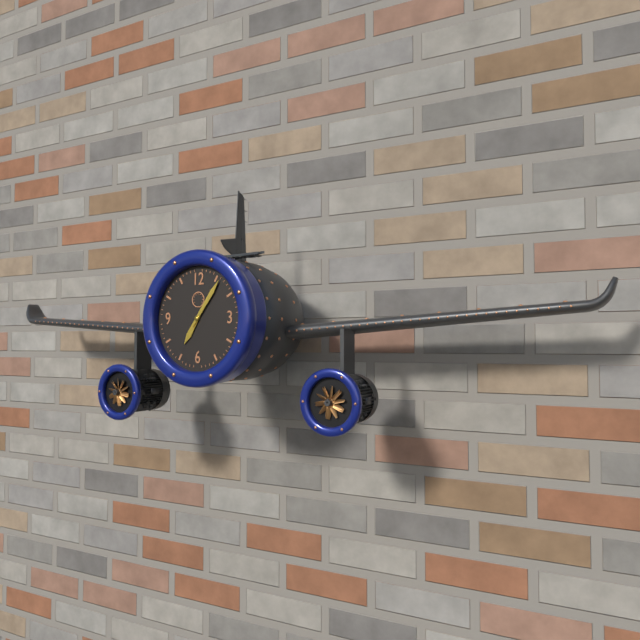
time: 7:06
